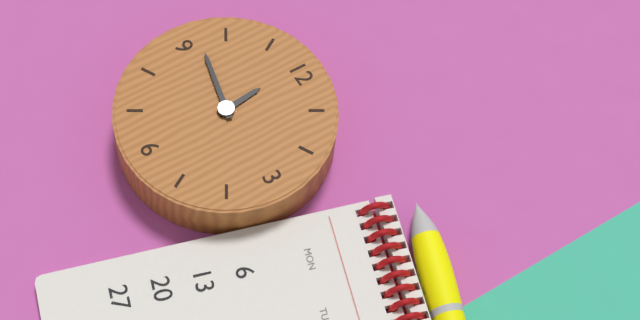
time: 11:47
